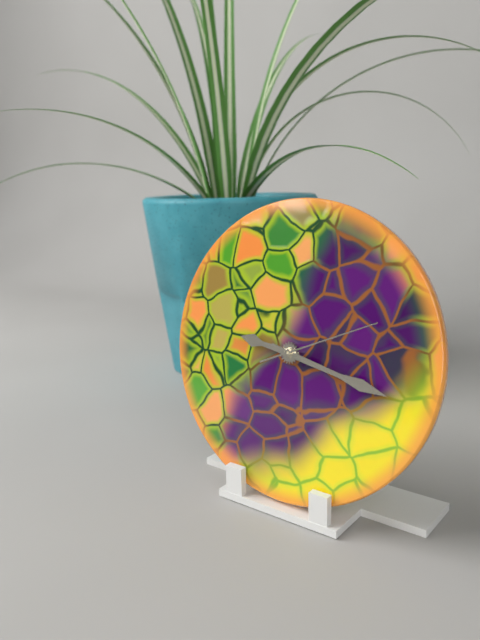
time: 9:17:11
